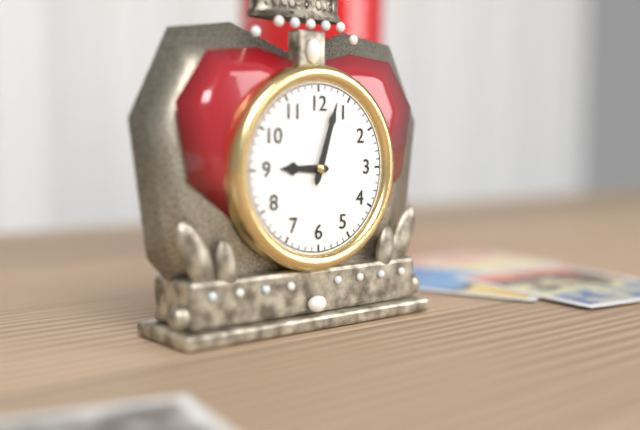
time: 9:03
